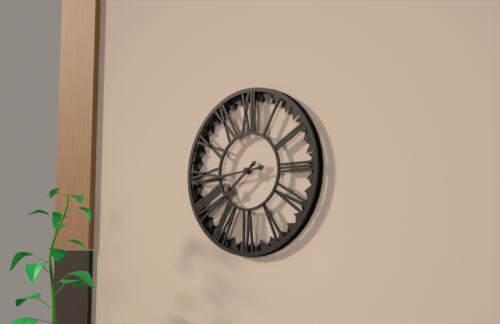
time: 7:44
